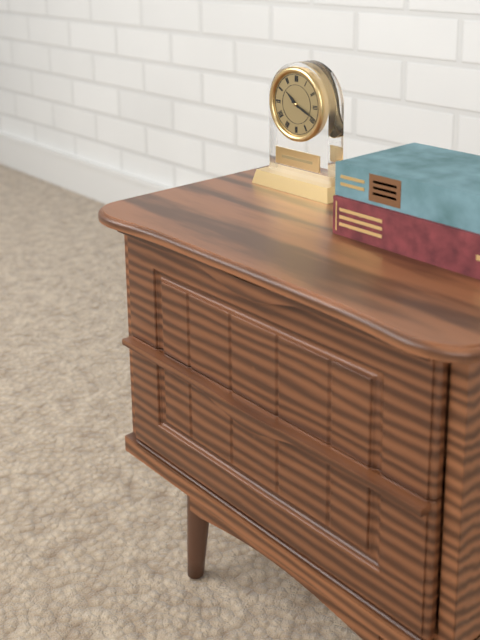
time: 10:19
